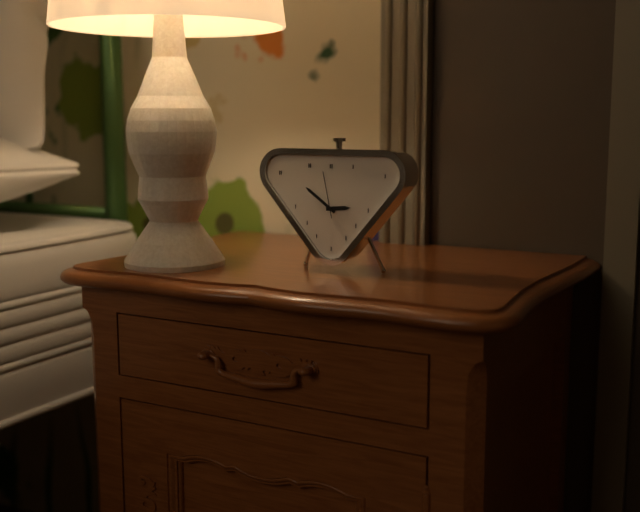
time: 2:51
